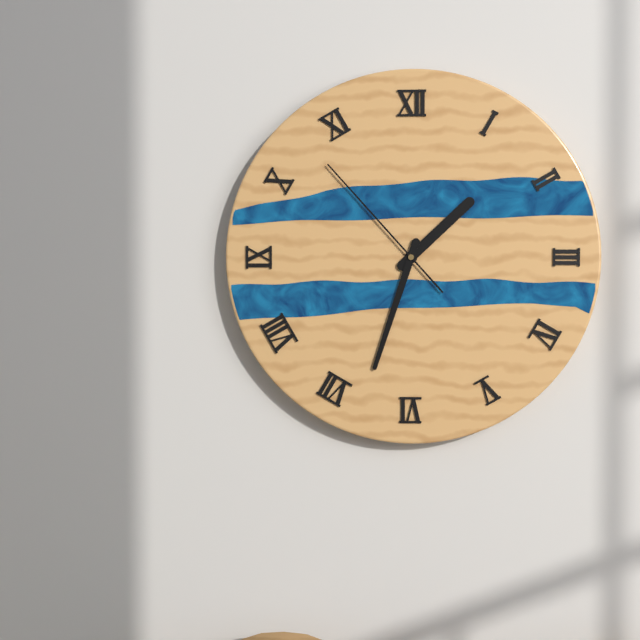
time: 1:33:53
